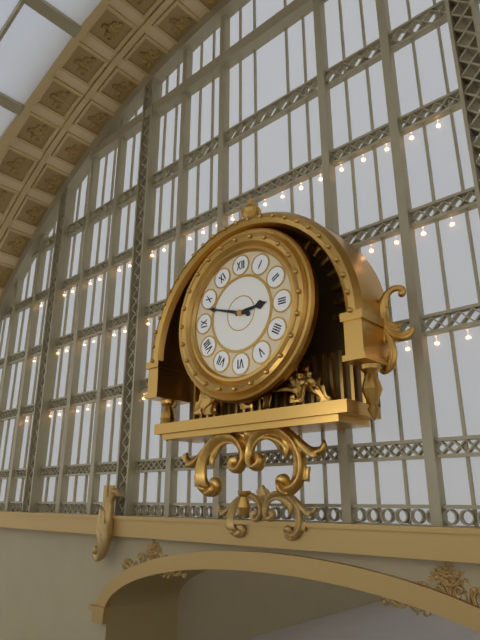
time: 2:48
